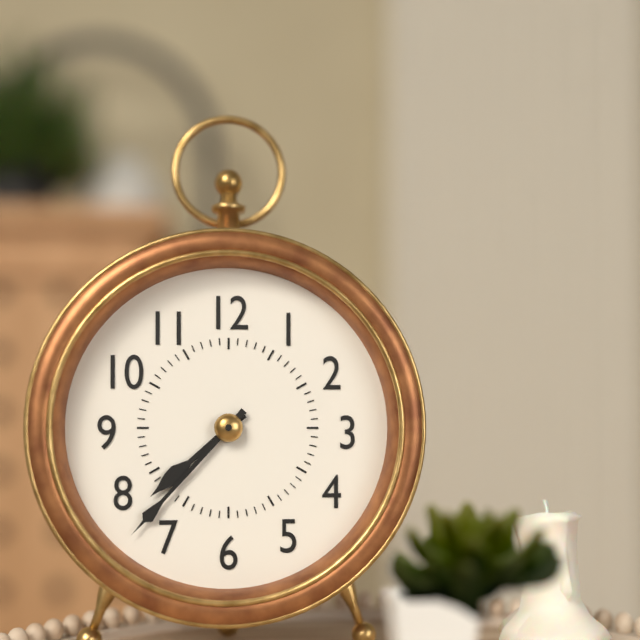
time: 7:37
